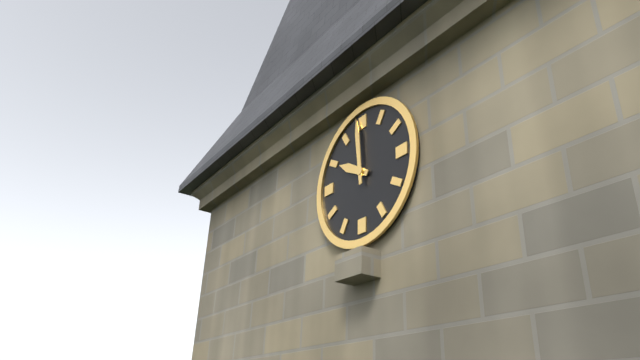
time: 9:59
